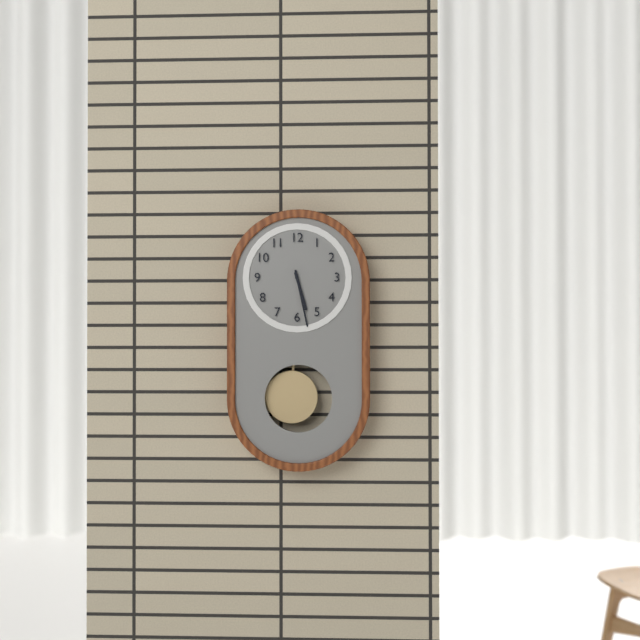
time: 5:28
